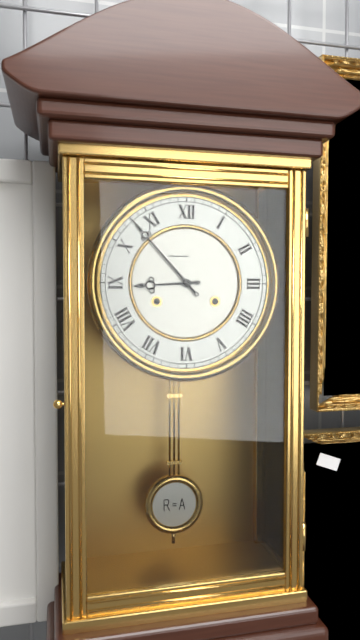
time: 8:53
